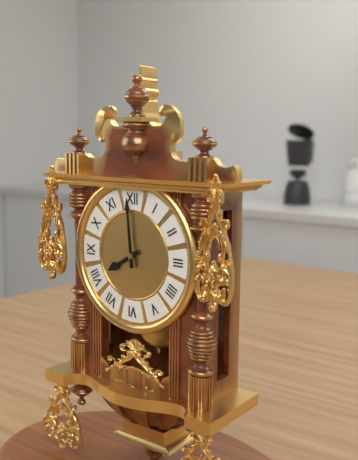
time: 7:59
